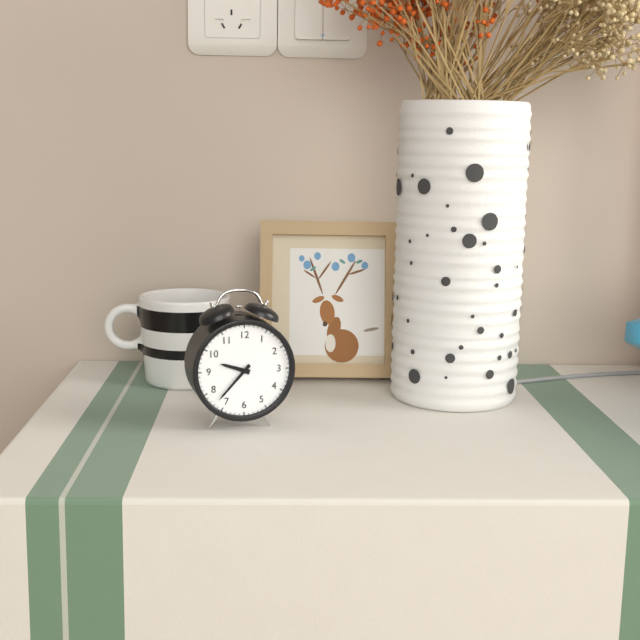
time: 9:37
